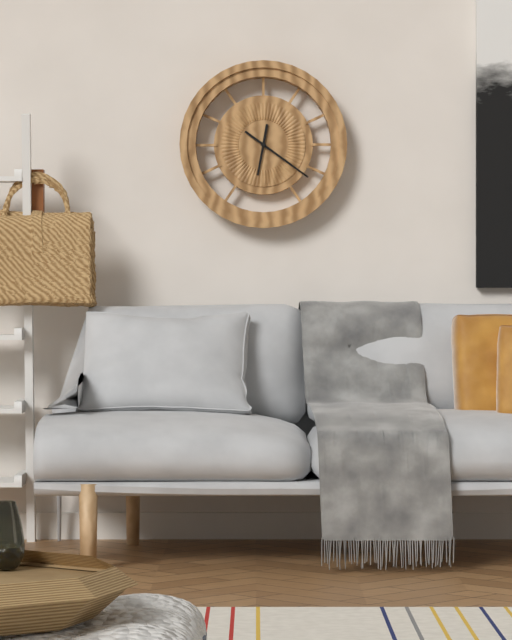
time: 6:21
